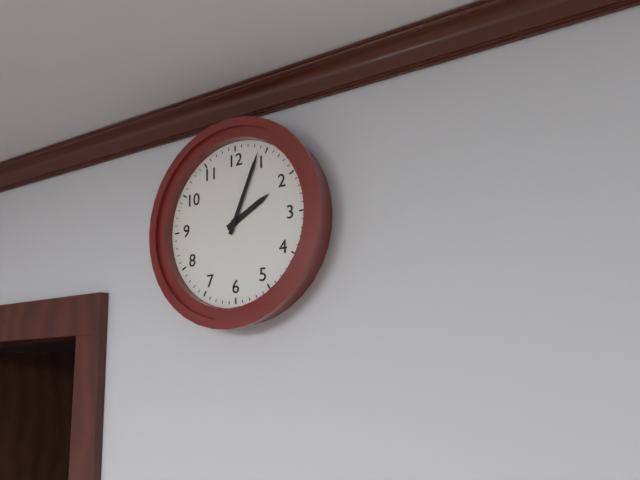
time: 2:04
